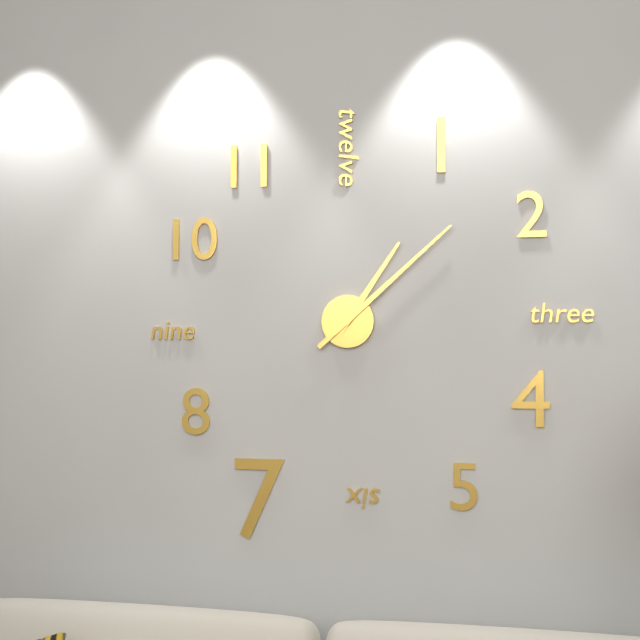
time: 1:08
